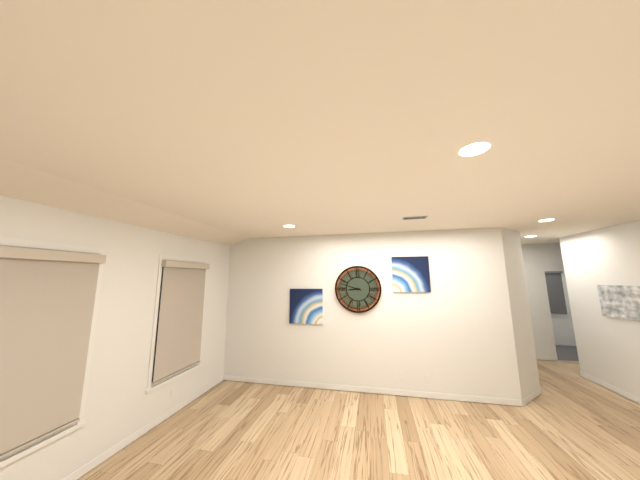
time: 8:48
